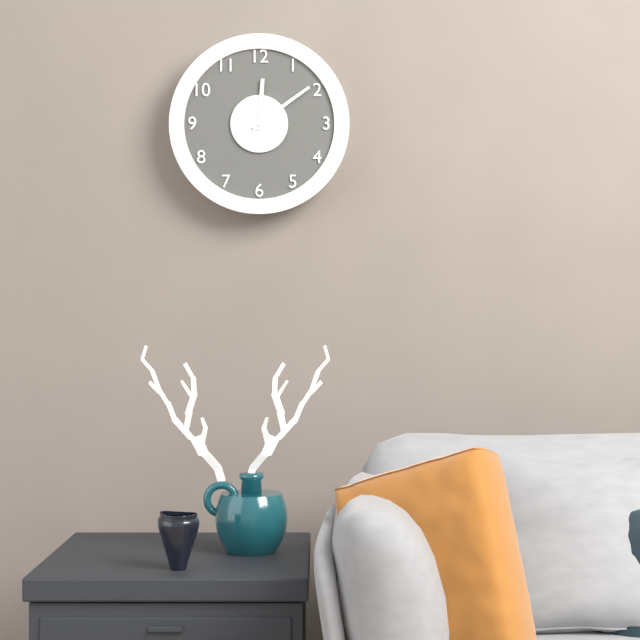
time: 12:09
